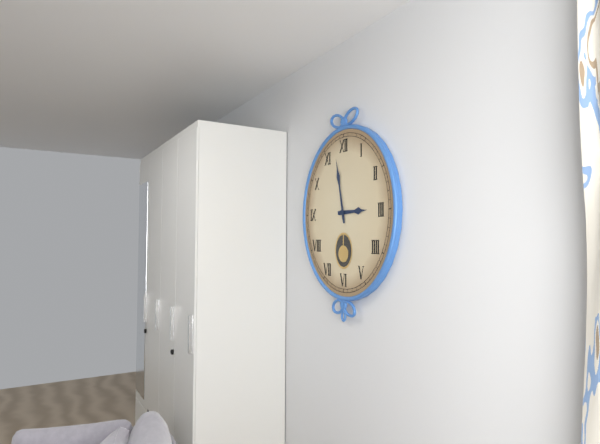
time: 2:58
